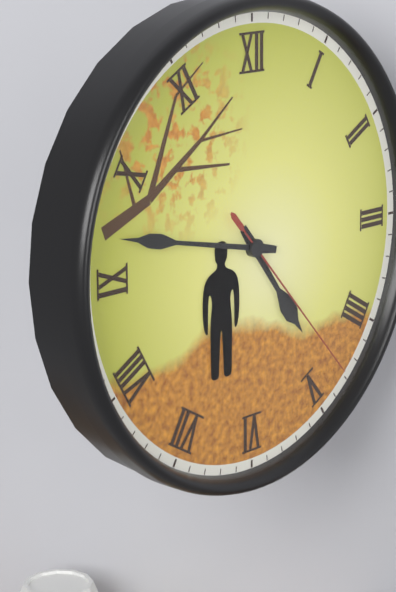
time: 4:47:23
